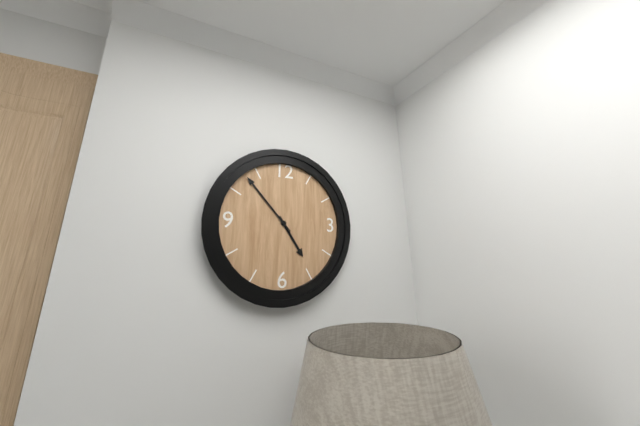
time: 4:53
